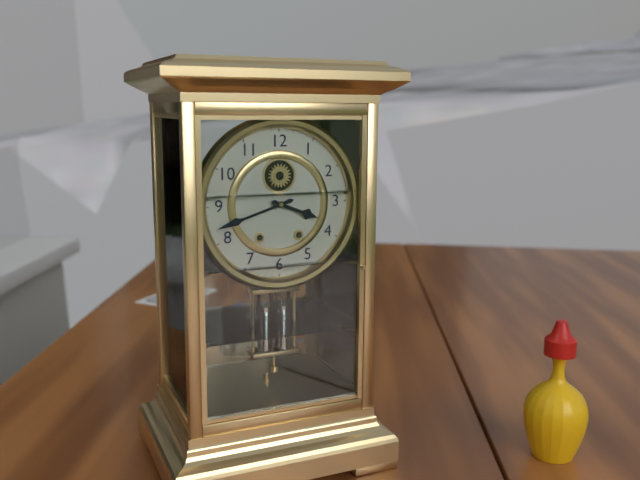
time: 3:42
